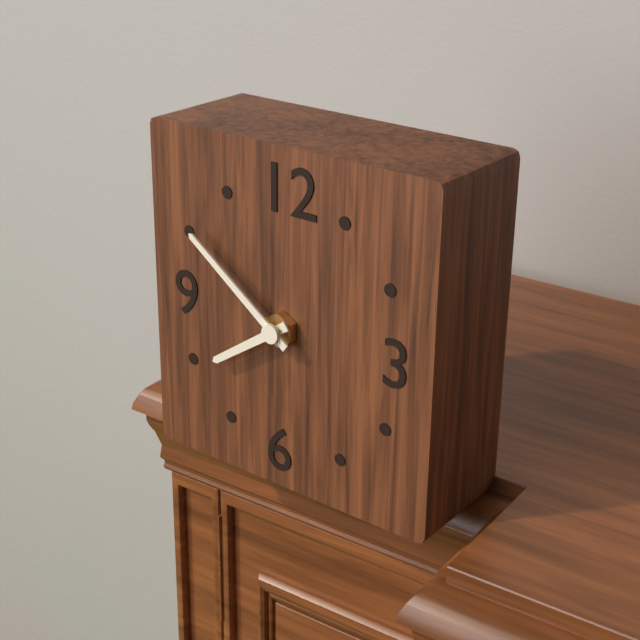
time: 7:51
